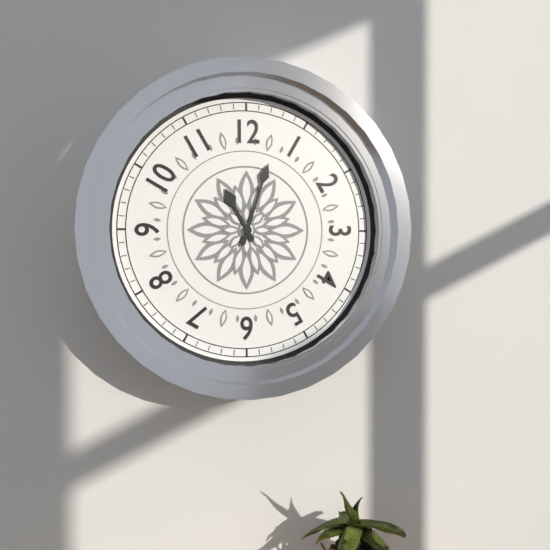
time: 11:03
